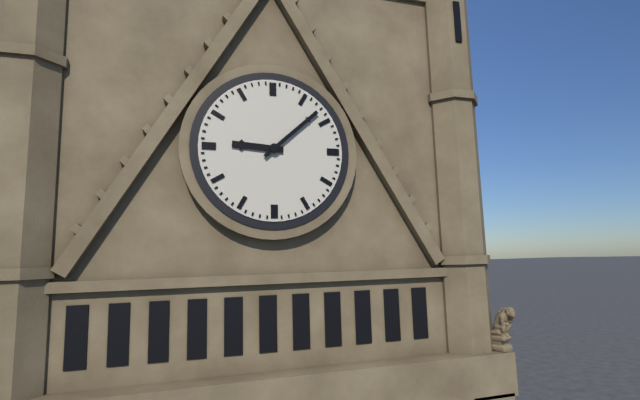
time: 9:08
